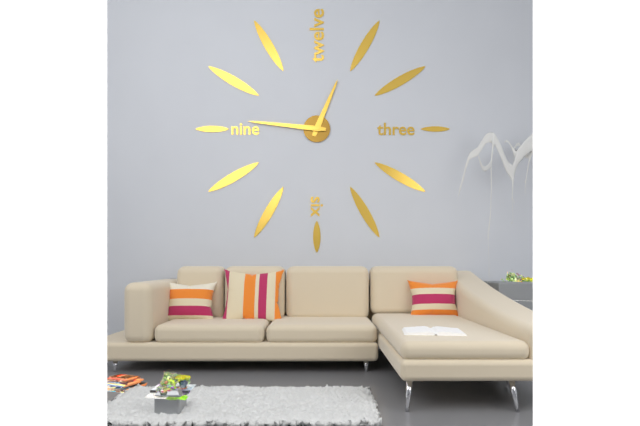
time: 12:46
